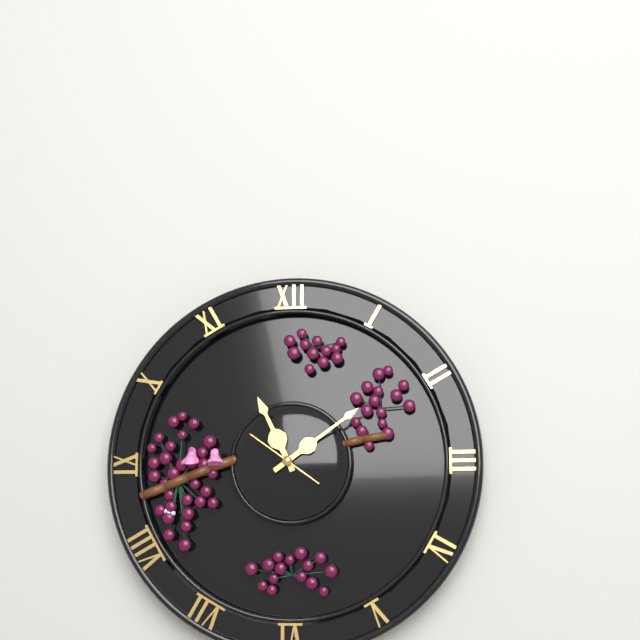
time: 11:09:51
